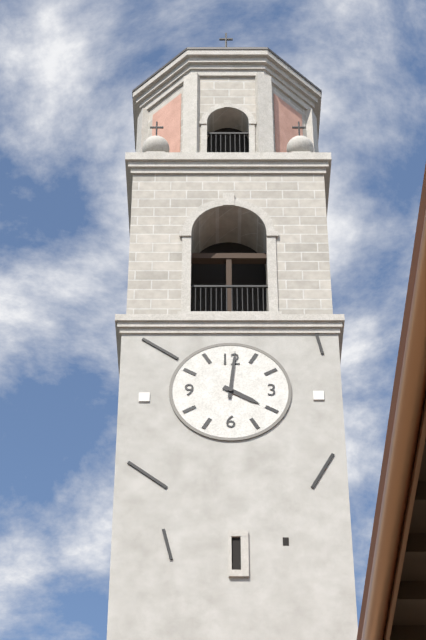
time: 4:01
